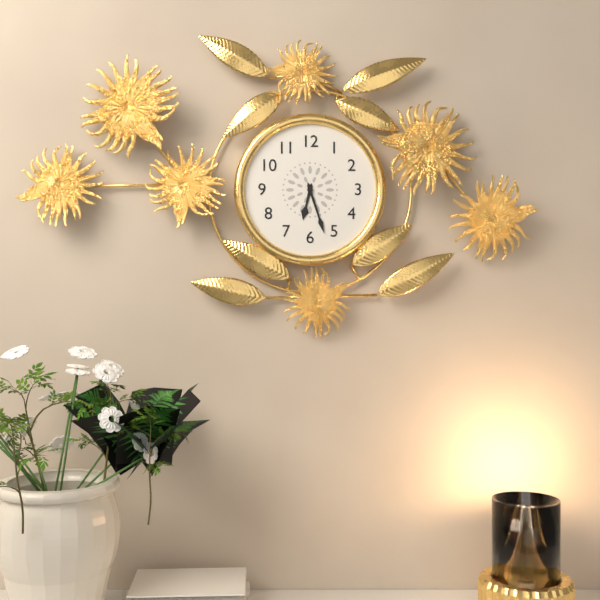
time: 6:27
